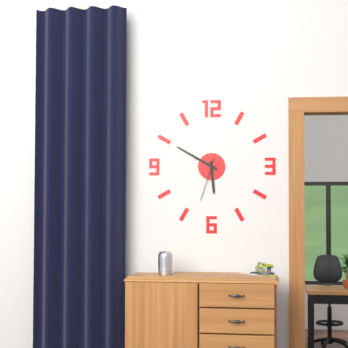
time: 5:50
